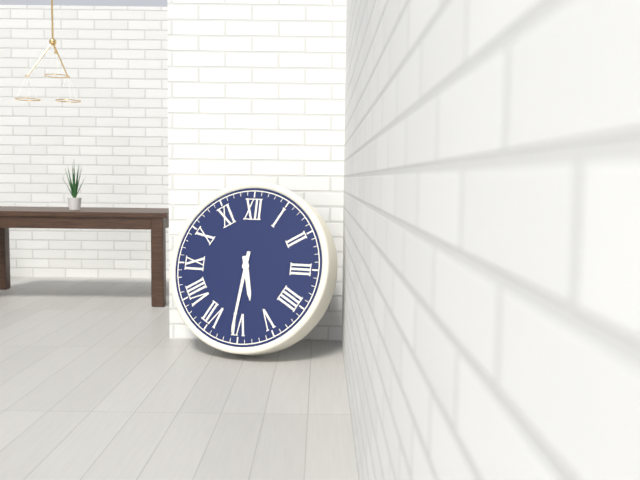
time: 5:31
